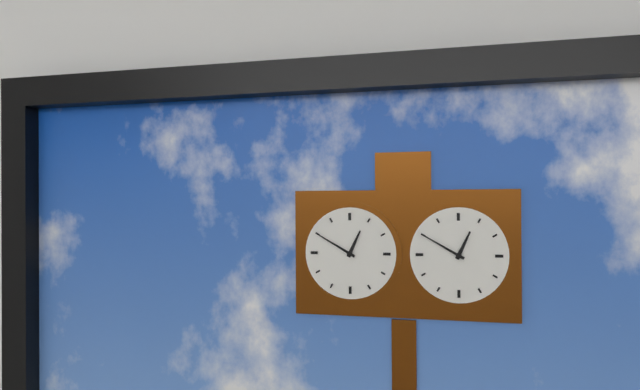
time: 12:50
